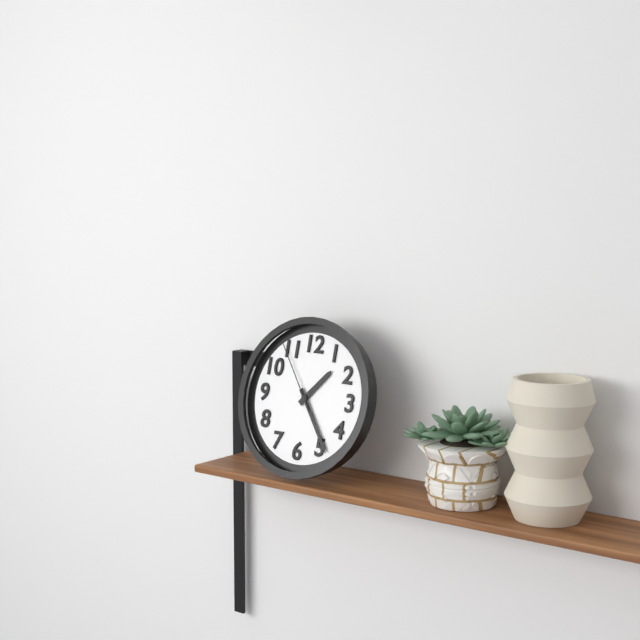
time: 1:24:54
